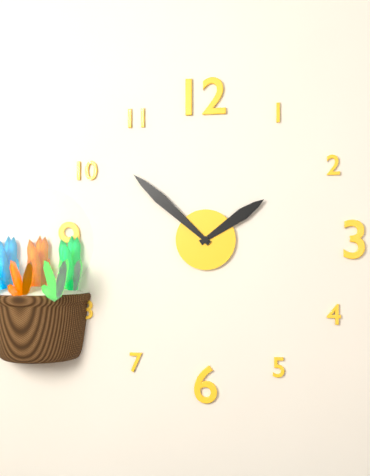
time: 1:52
